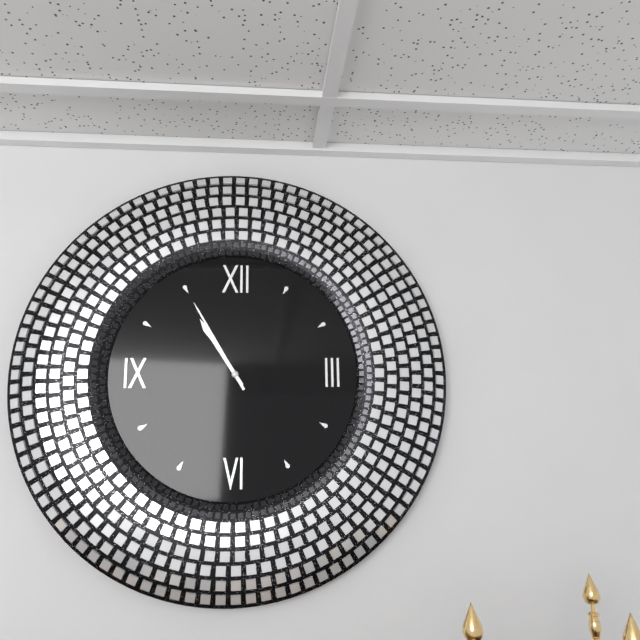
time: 10:55
